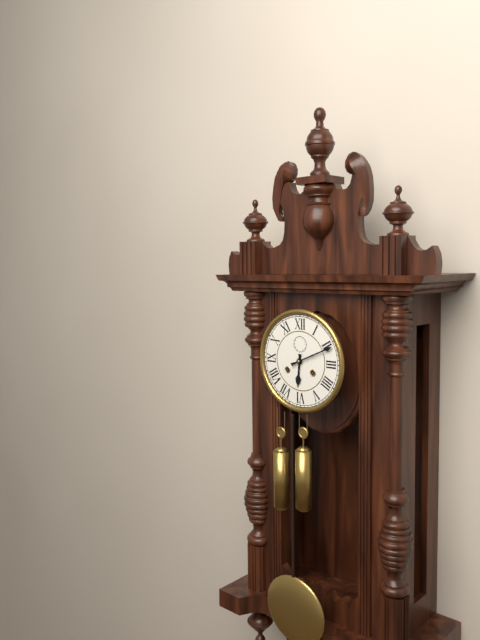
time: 6:11
